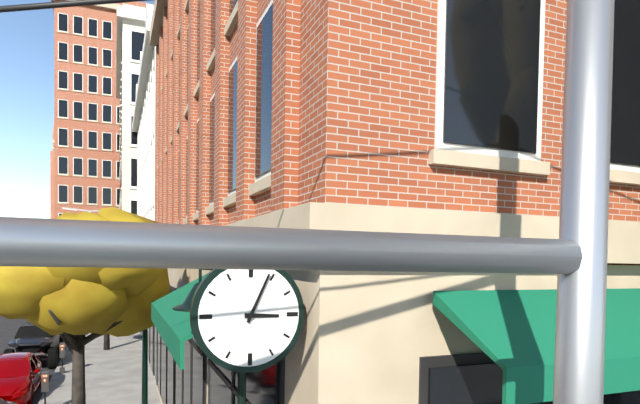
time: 3:04
